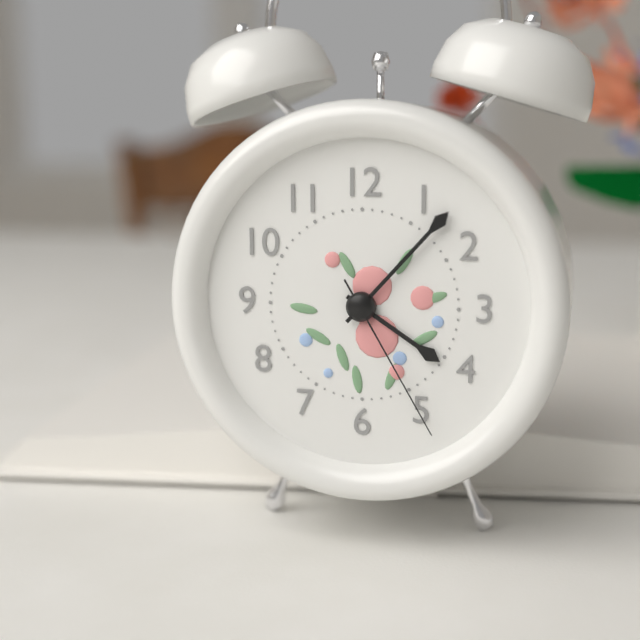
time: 4:07:25
